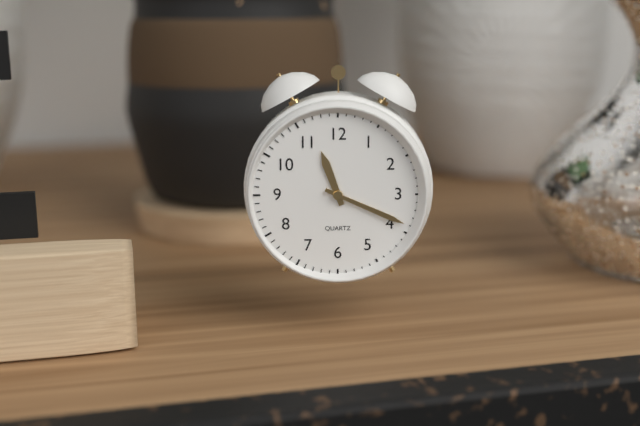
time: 11:19
